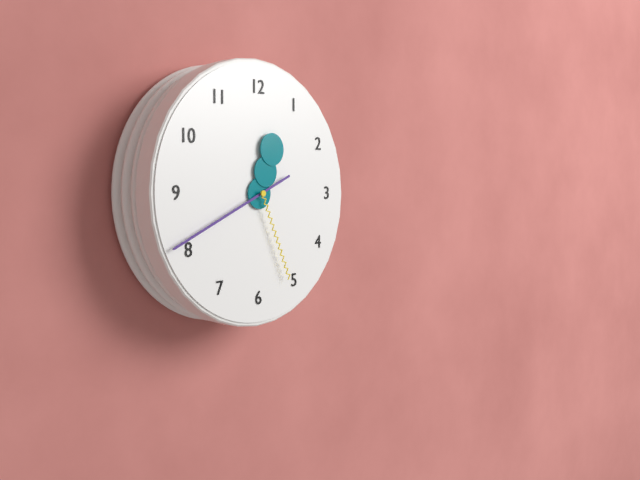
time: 12:41:26
